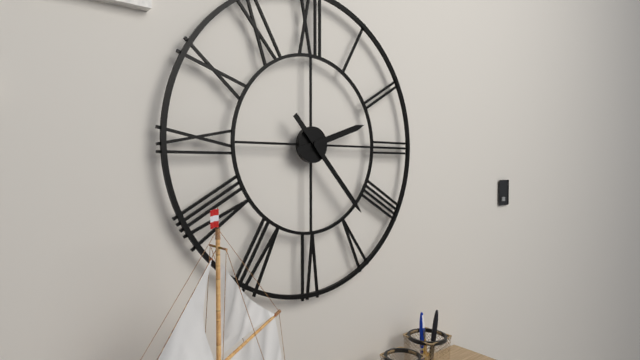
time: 2:23
